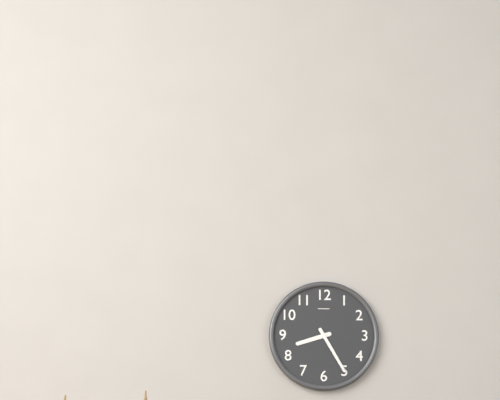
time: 8:25
